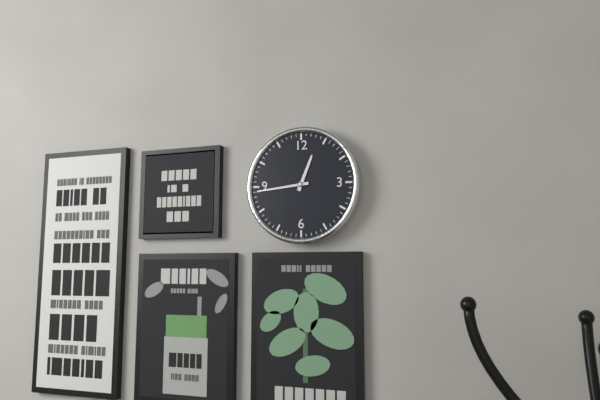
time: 12:44
